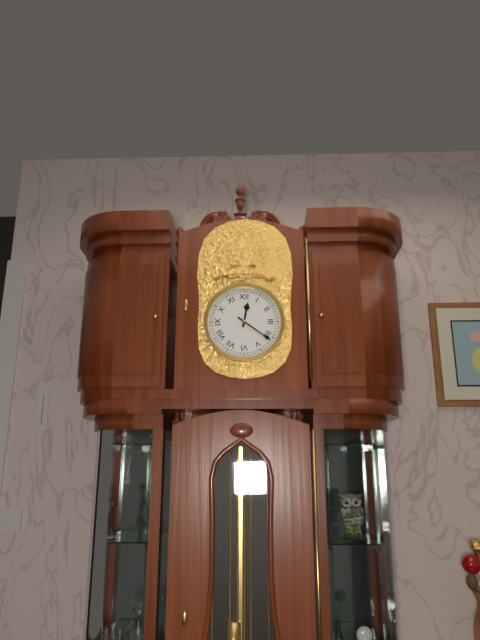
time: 12:21
